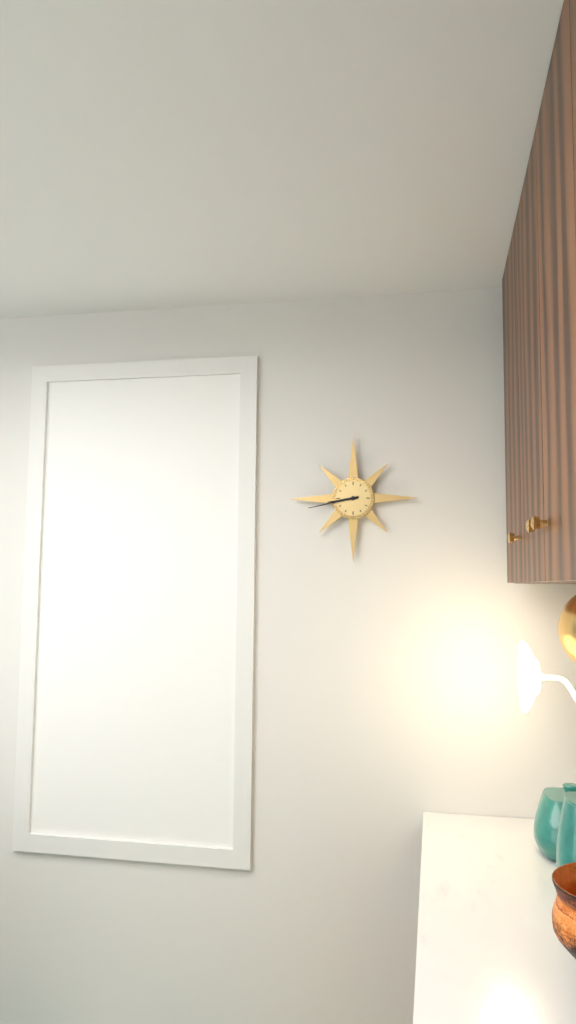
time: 8:43
